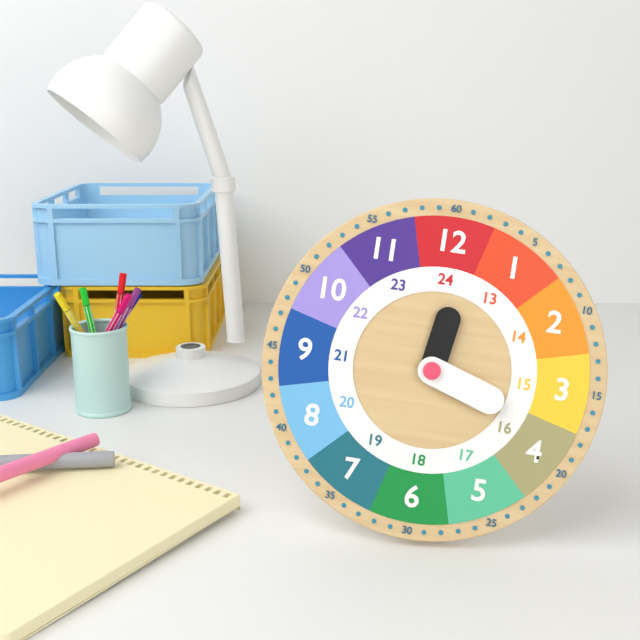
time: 12:18
